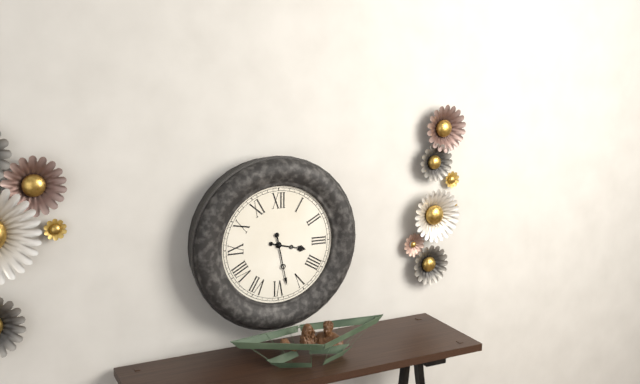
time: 3:28
